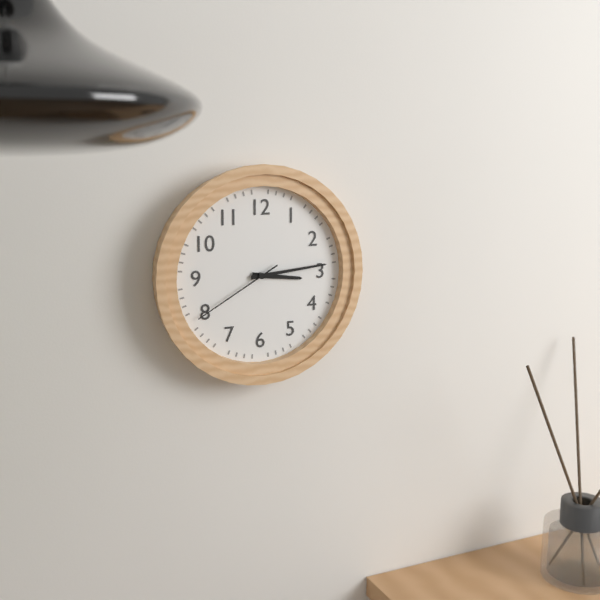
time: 3:14:40
